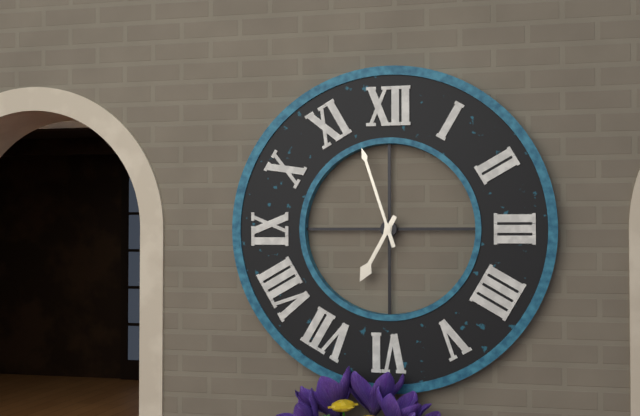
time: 6:57
